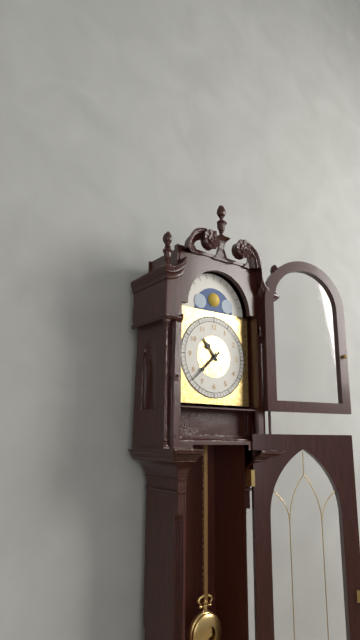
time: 10:38
